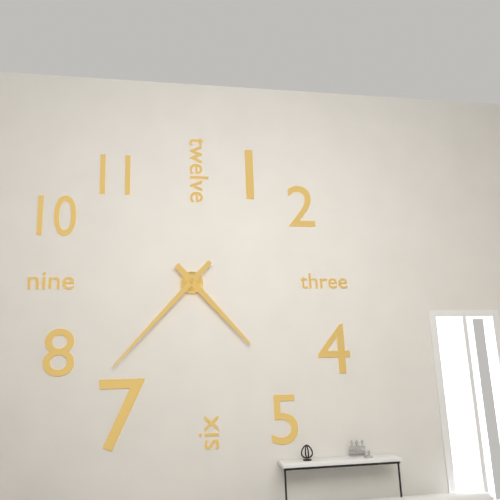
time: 4:37
